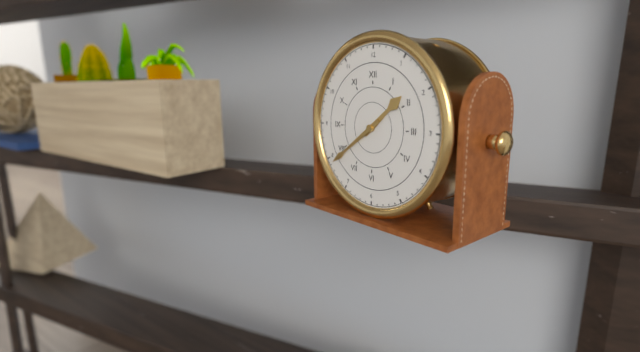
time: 1:39
